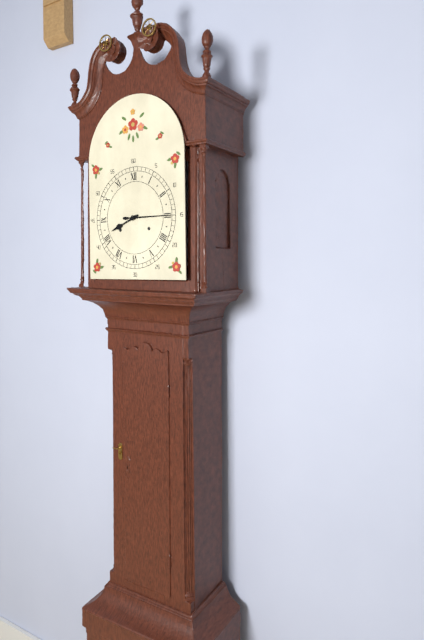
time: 8:15
